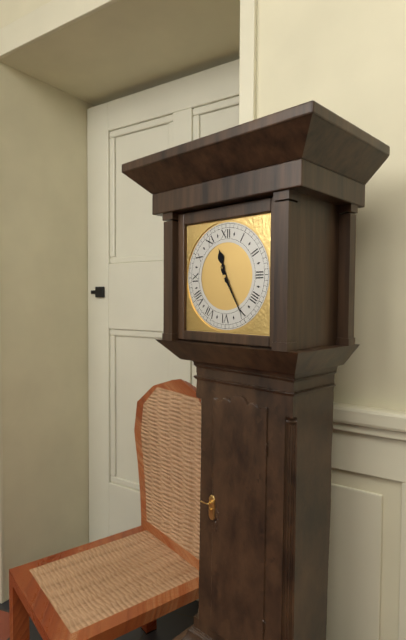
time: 11:25
